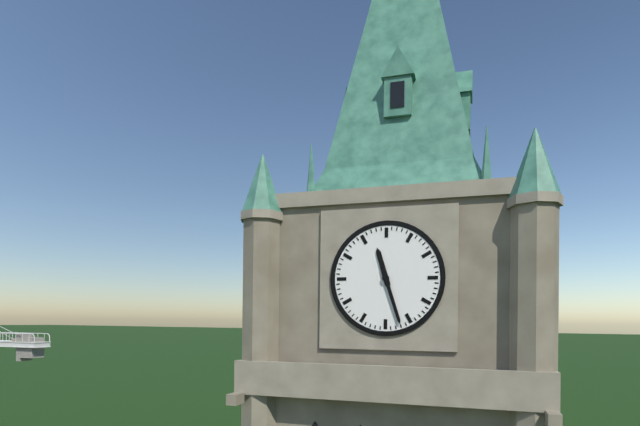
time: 11:27
